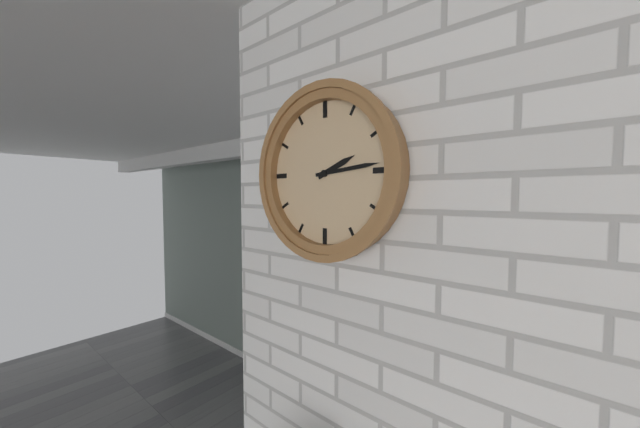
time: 2:14
